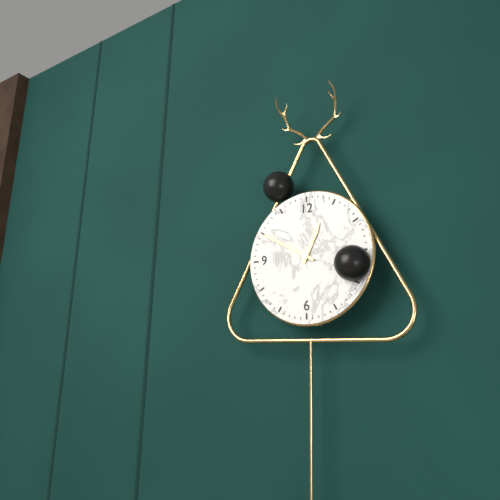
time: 12:50
